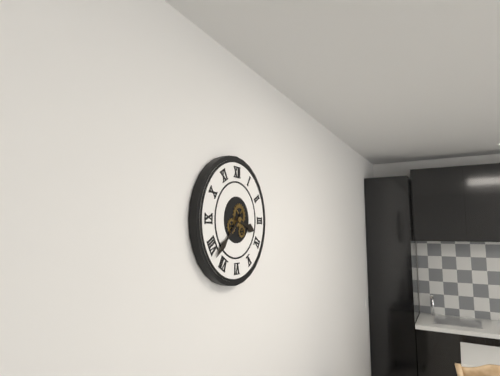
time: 3:38
